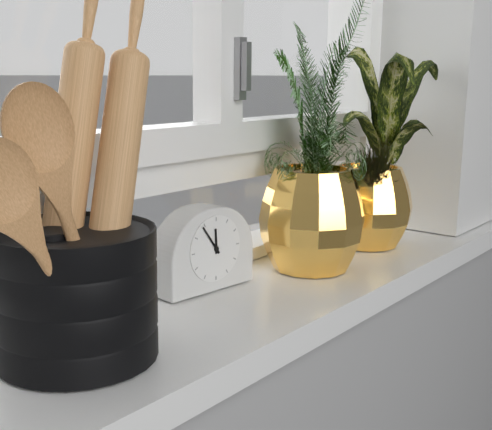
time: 11:54
